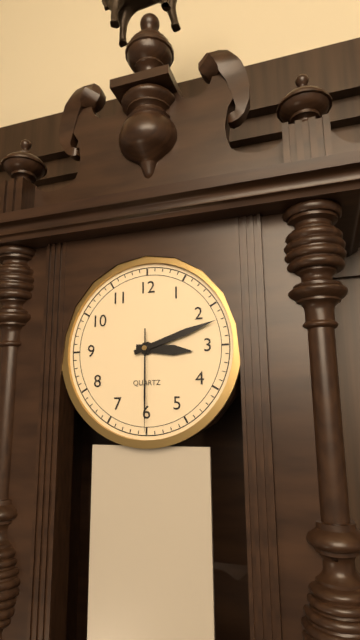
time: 3:12:30
